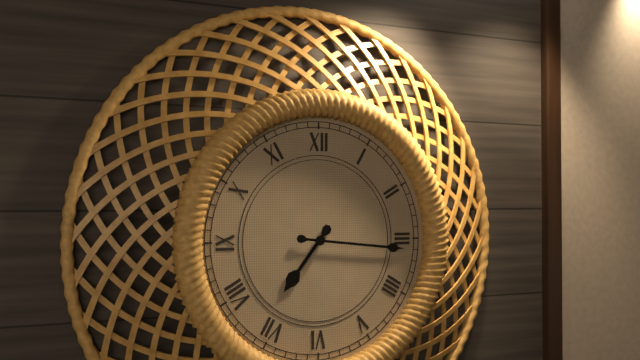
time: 7:16
